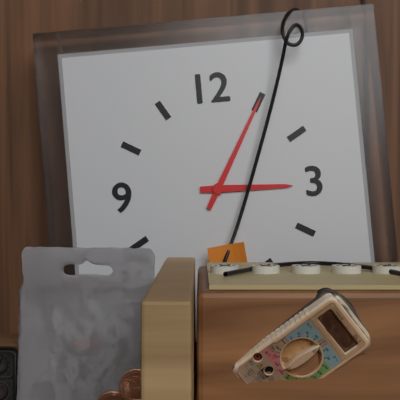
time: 3:05
